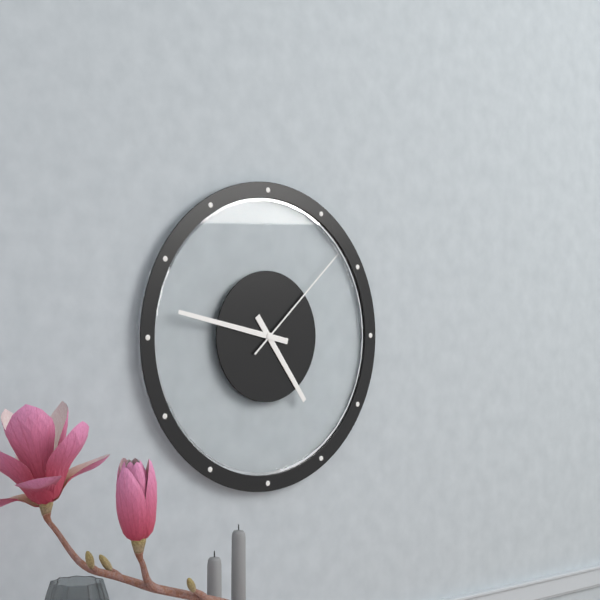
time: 4:47:08
